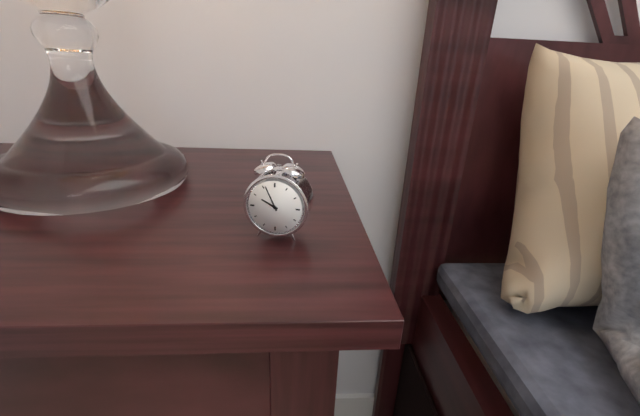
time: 9:56
